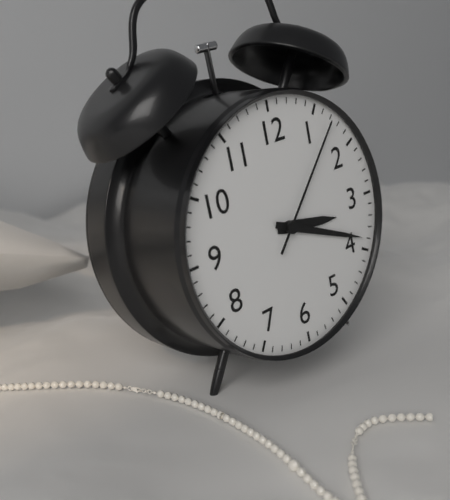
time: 3:19:07
